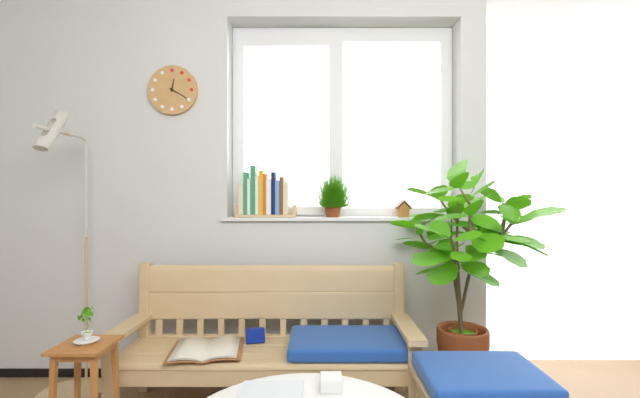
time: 12:20
